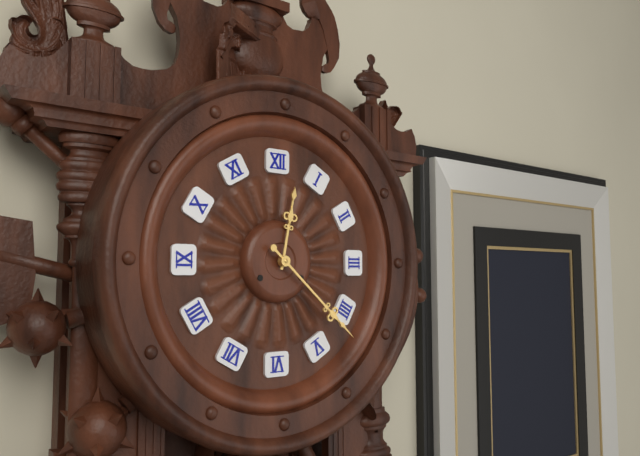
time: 12:22
